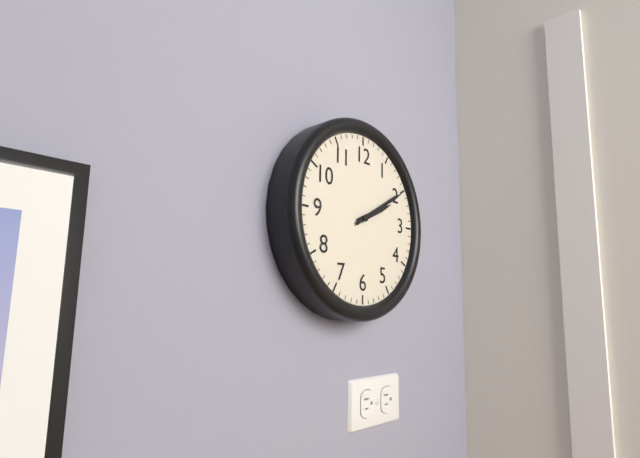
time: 2:10
